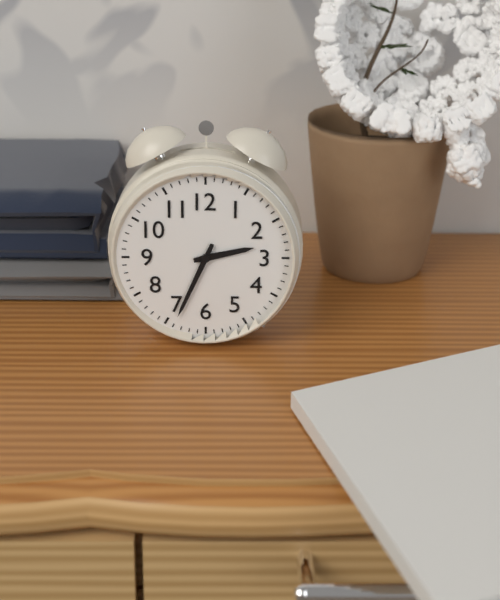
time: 2:34
